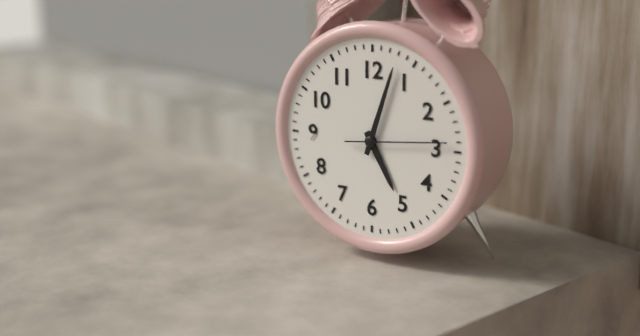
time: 5:03:14
